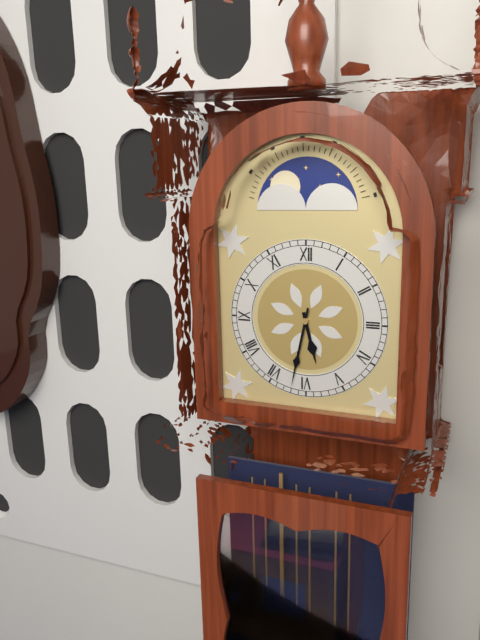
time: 5:32
